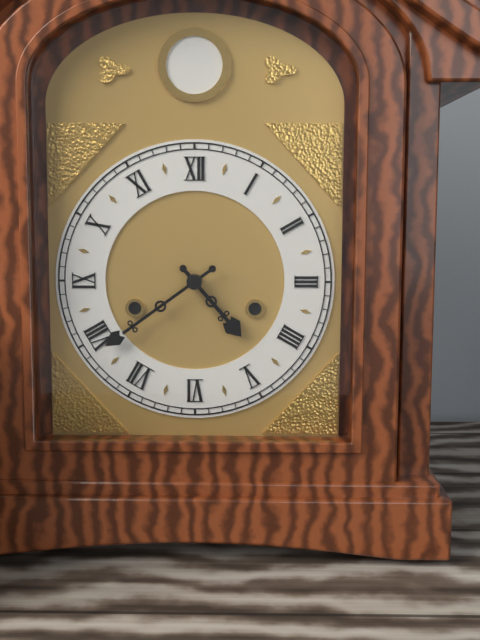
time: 4:39
